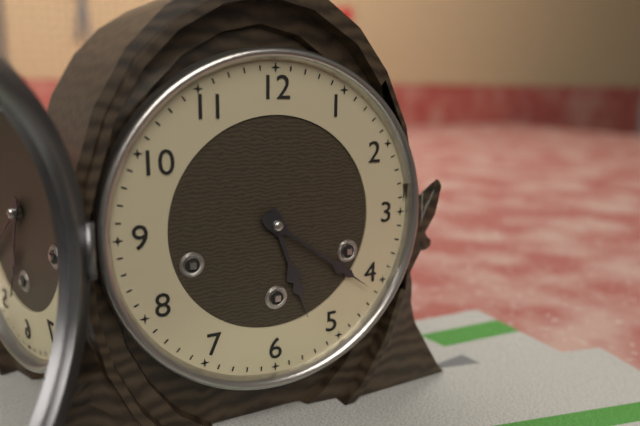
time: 5:21
